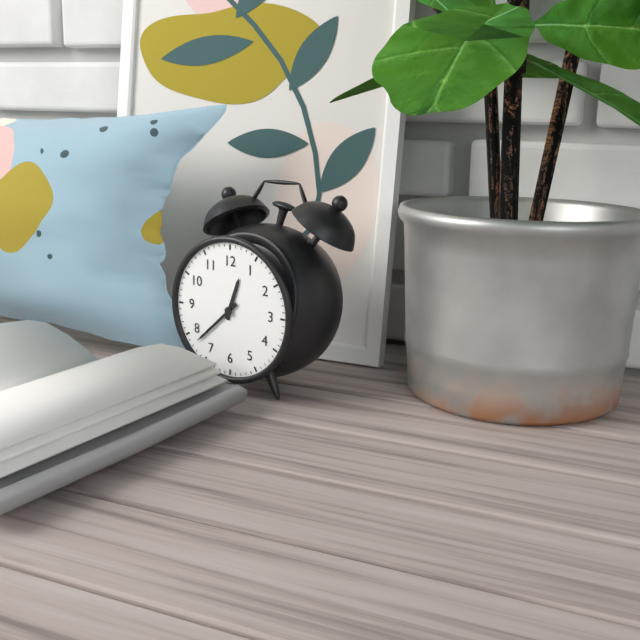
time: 12:38
